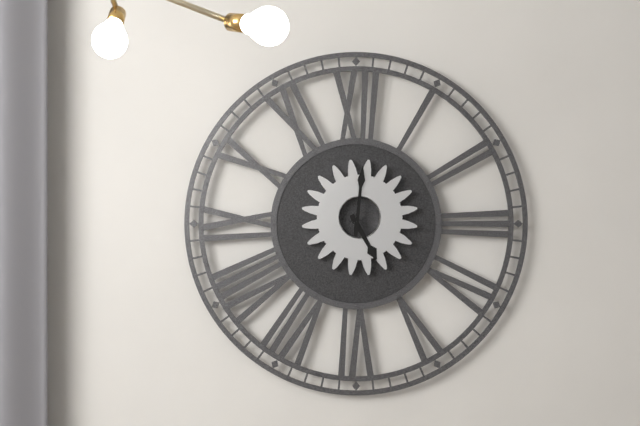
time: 5:01
